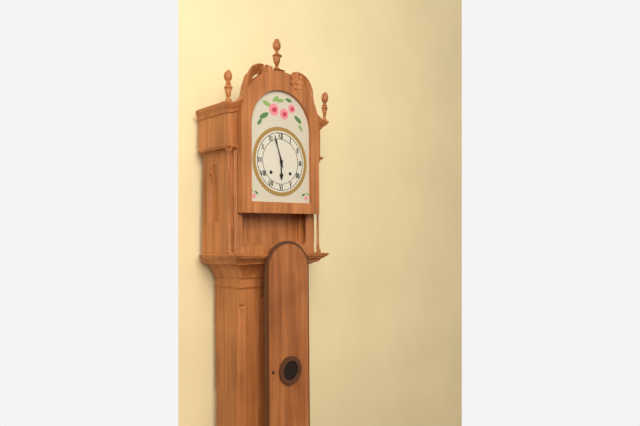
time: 5:57
